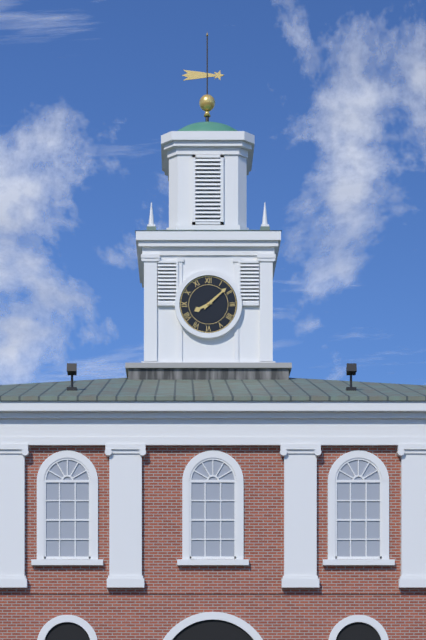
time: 8:08
